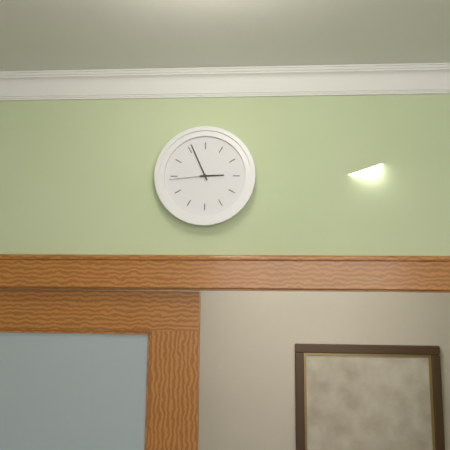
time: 2:56
